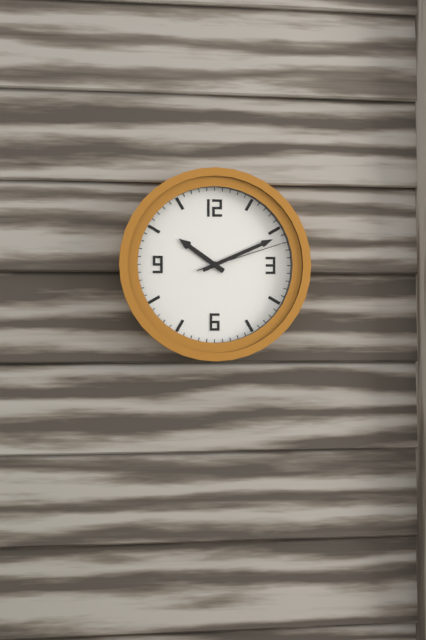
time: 10:11:12
